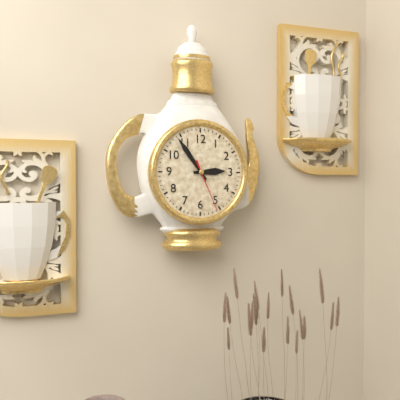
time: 2:54:26
